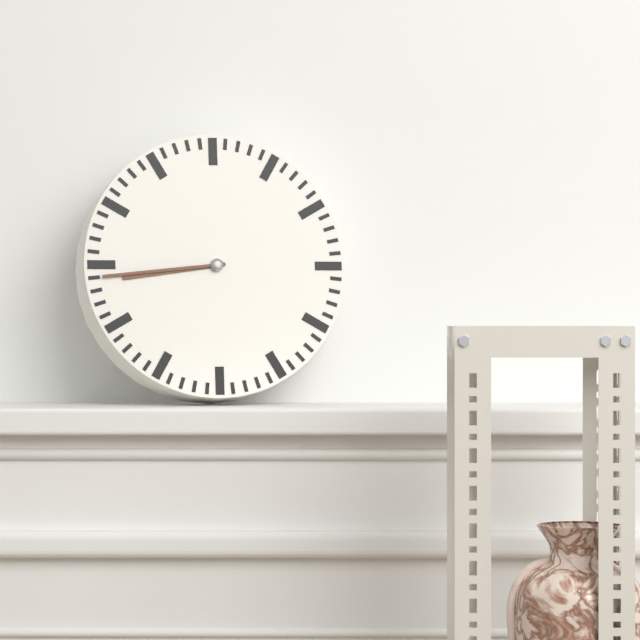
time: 8:44
